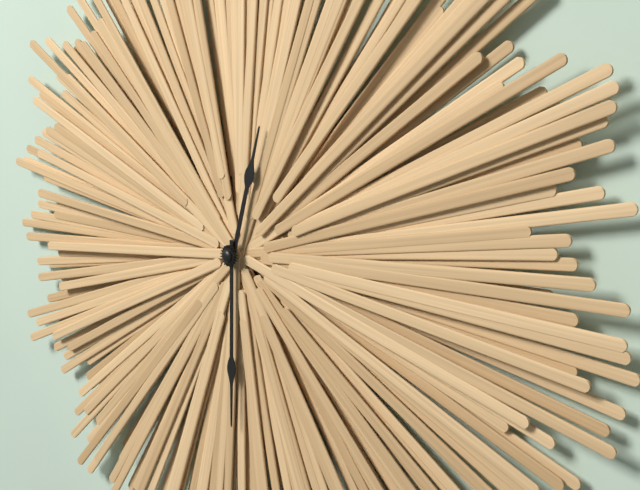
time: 12:30
